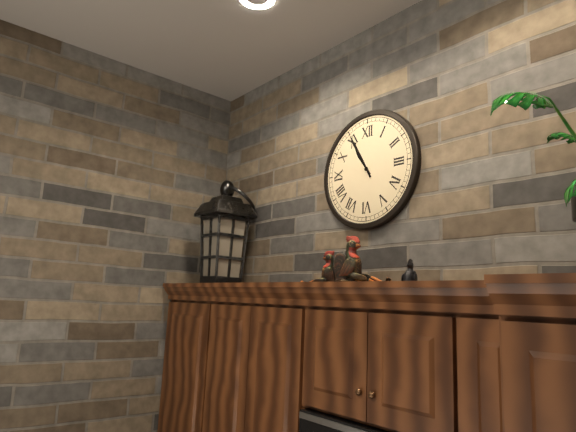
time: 10:55
